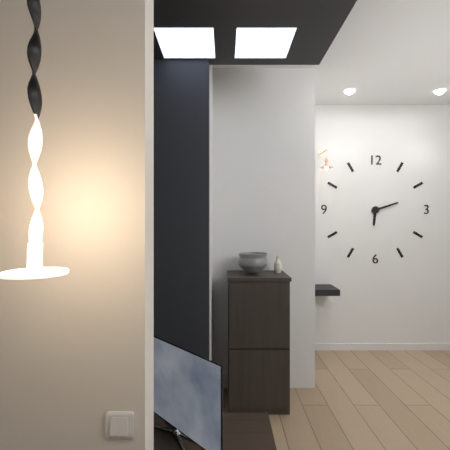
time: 6:12
